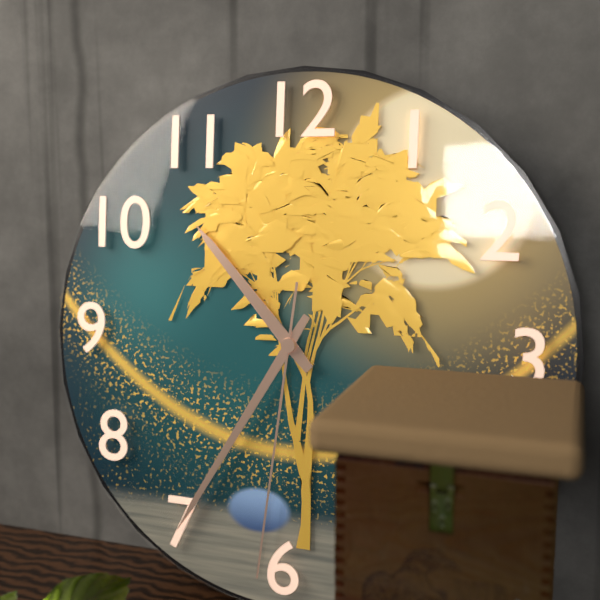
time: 10:35:31
